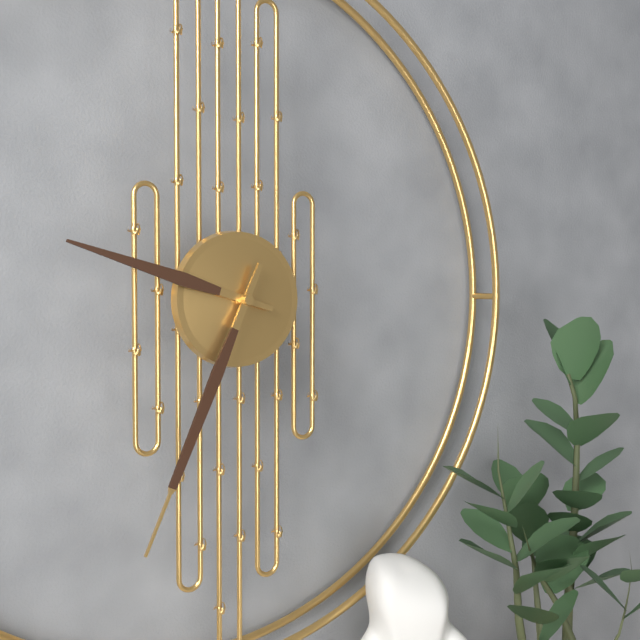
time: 9:34
